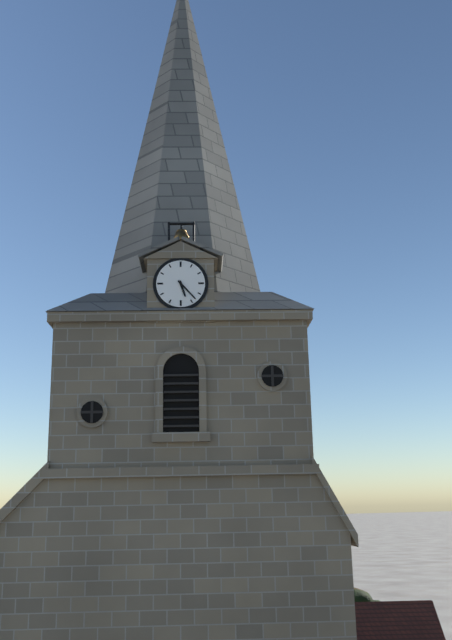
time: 5:23
